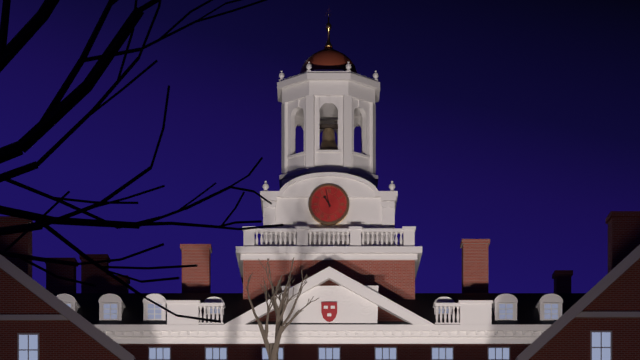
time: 10:58
